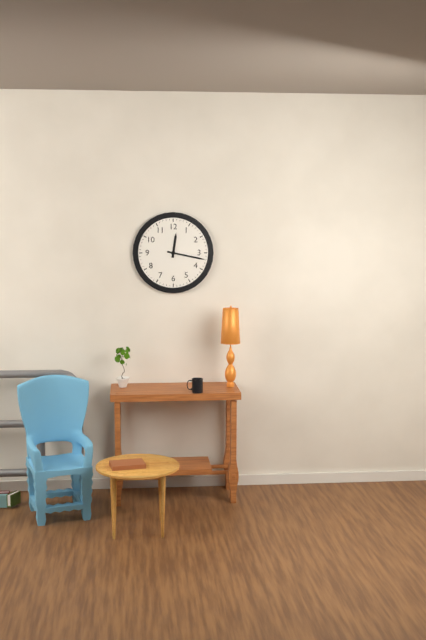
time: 12:17
